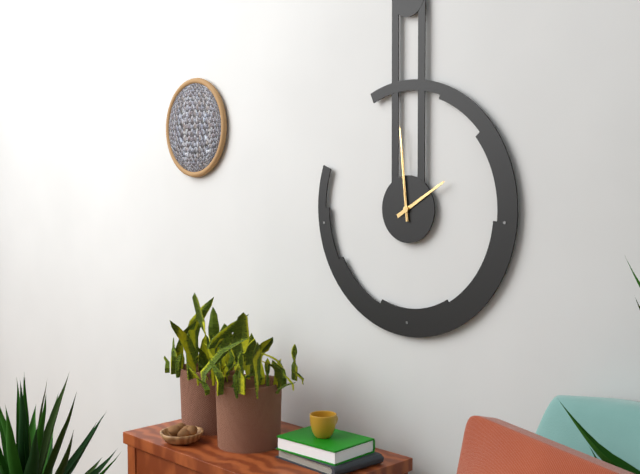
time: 1:59:59
